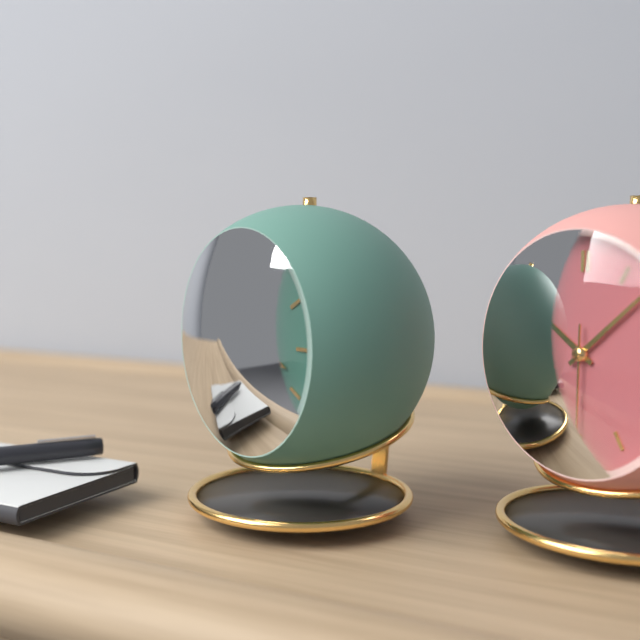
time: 3:37:42
